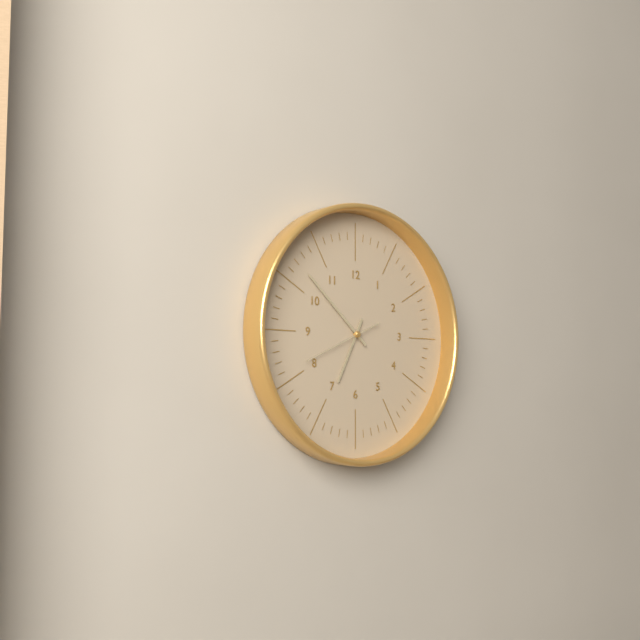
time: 6:52:41
